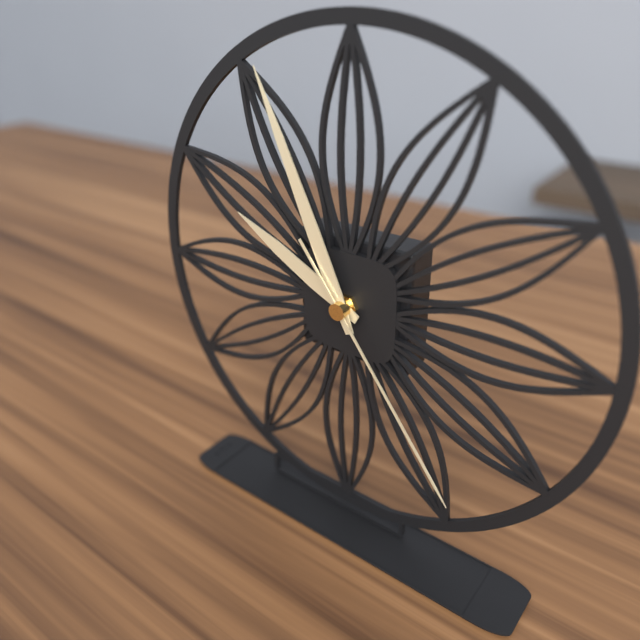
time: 9:56:24
